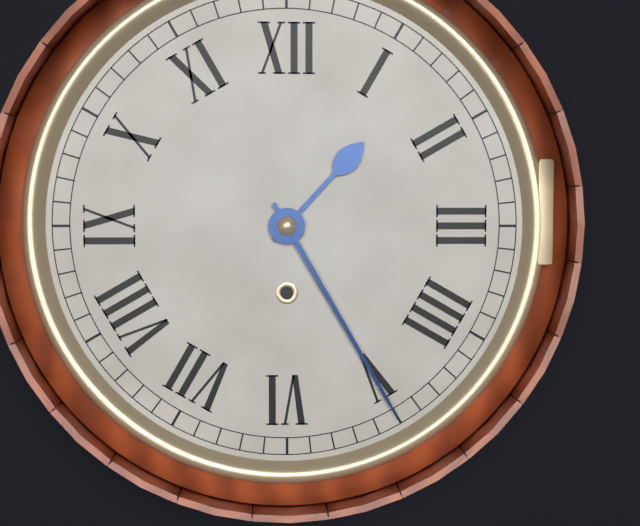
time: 1:25
